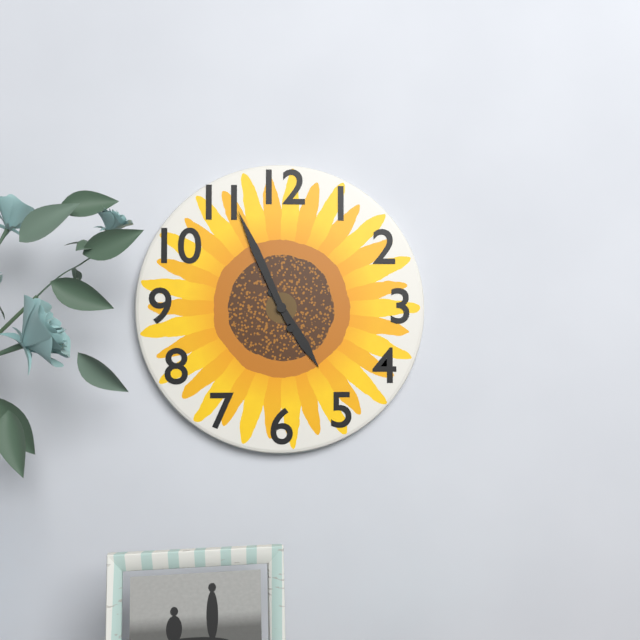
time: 4:56
